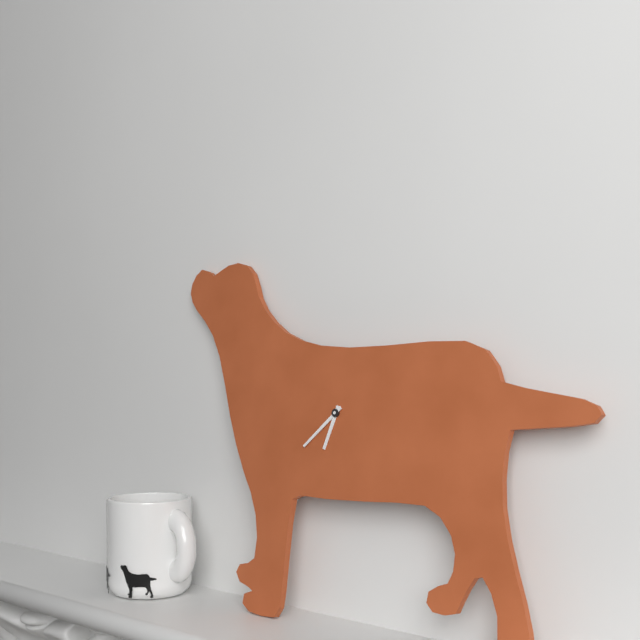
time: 6:38
